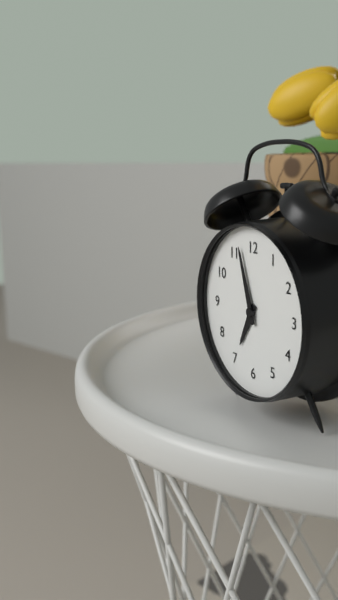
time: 6:57
